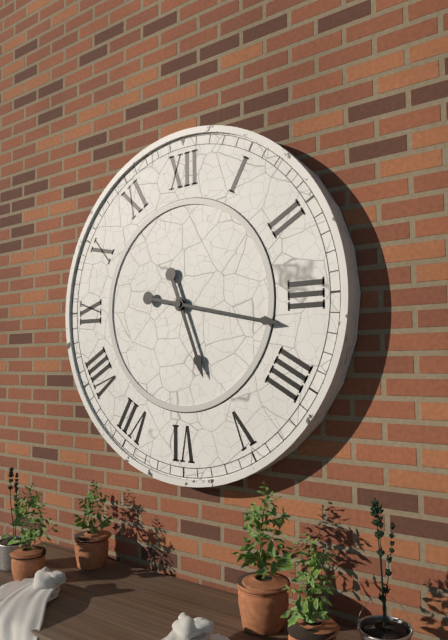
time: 5:17
